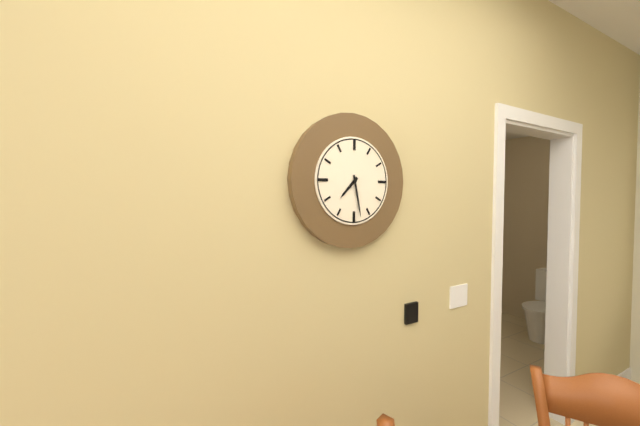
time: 7:28
